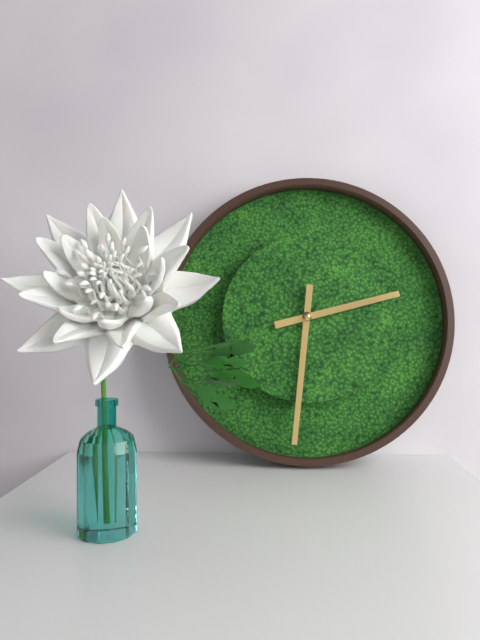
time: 2:31
